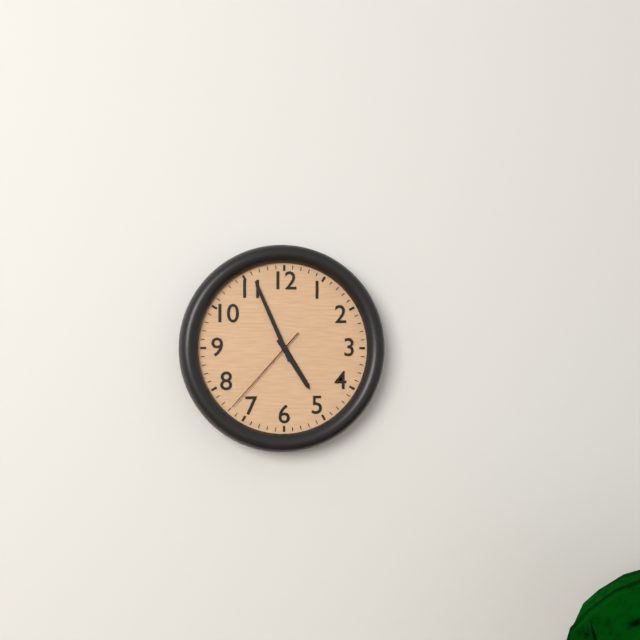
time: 4:56:37
